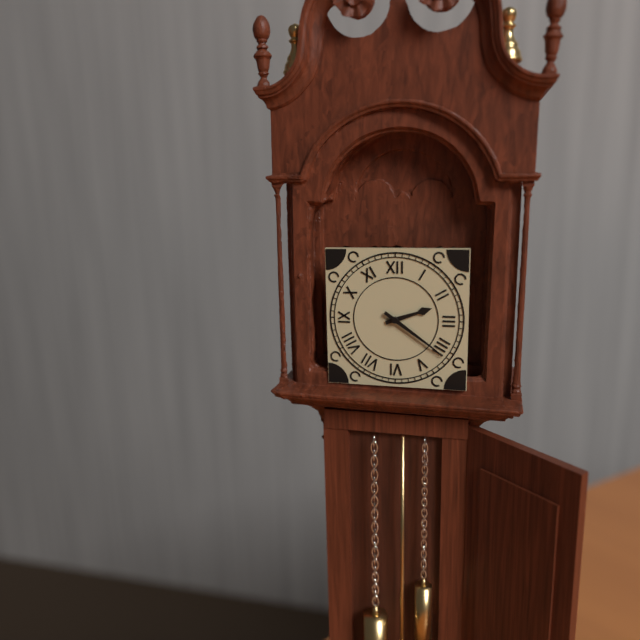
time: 2:21
